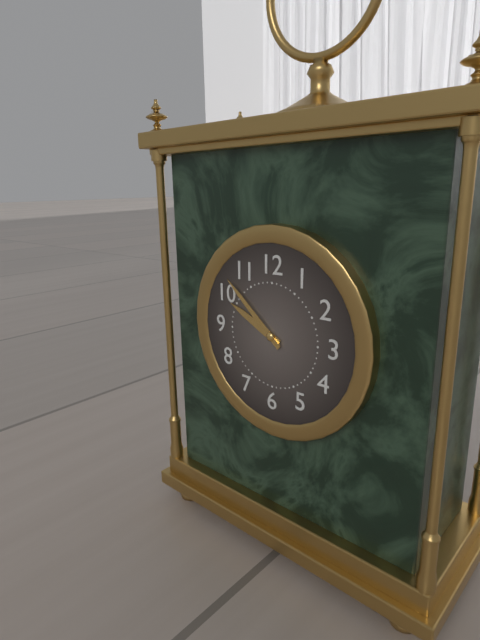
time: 9:52
